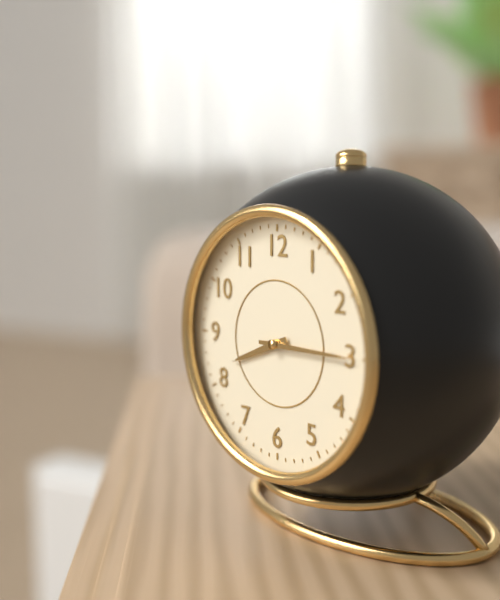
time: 8:15
